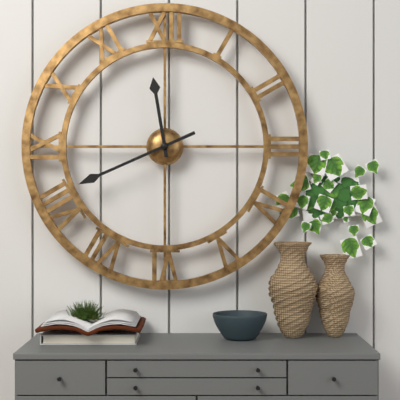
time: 11:41
